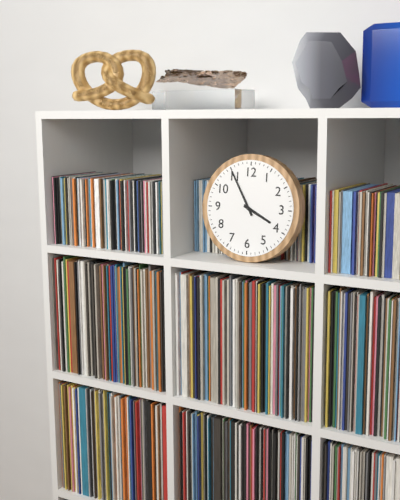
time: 3:55
